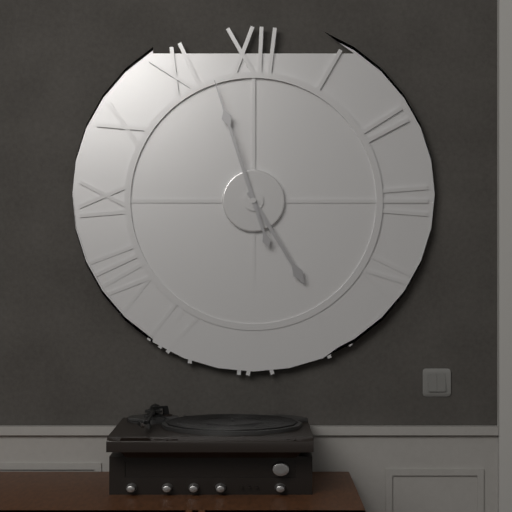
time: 4:57
